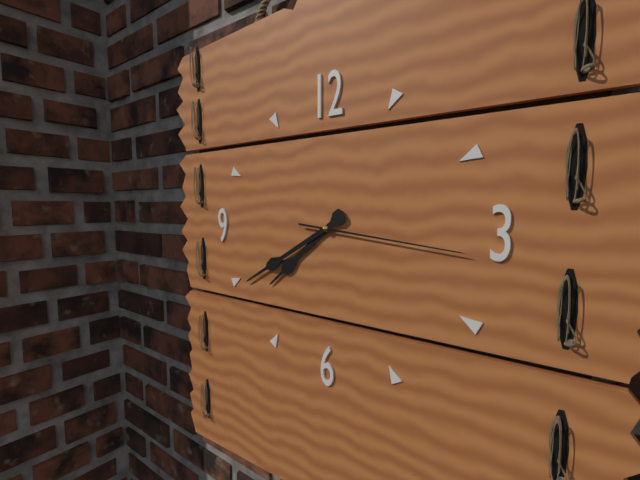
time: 7:40:16
